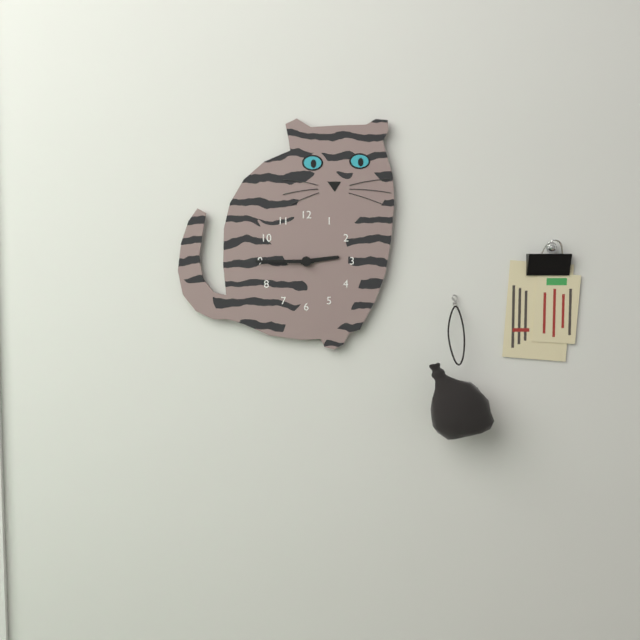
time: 2:45
